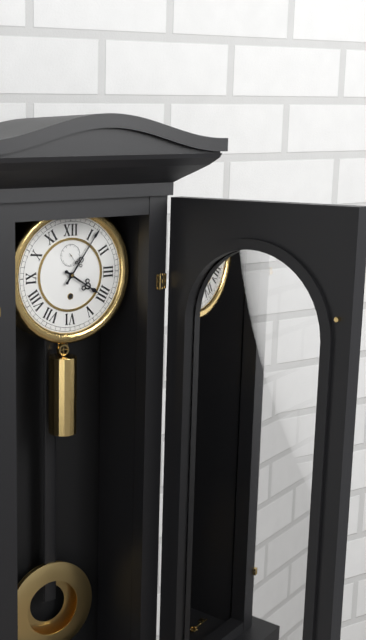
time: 4:06
